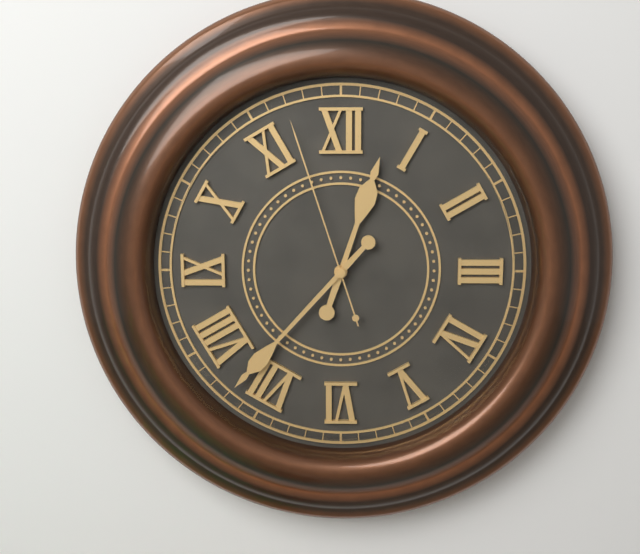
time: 12:37:57
